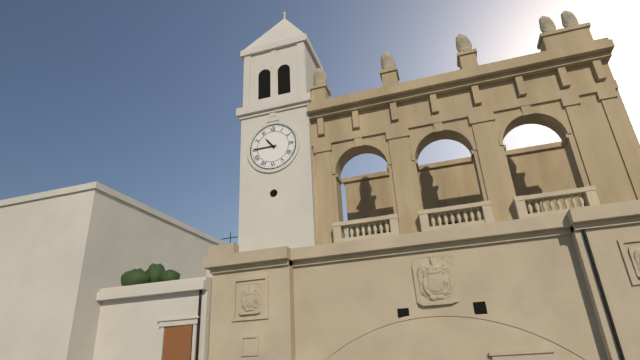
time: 10:45
